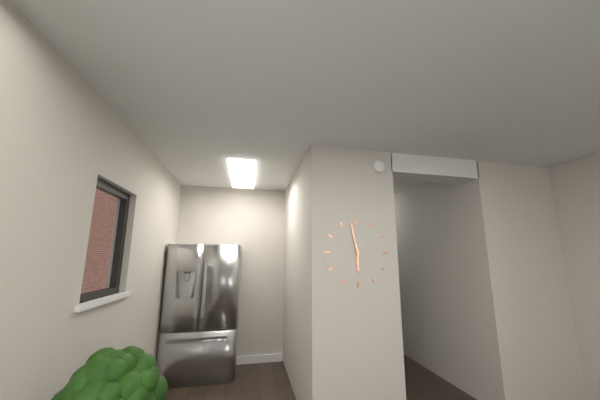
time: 5:58
